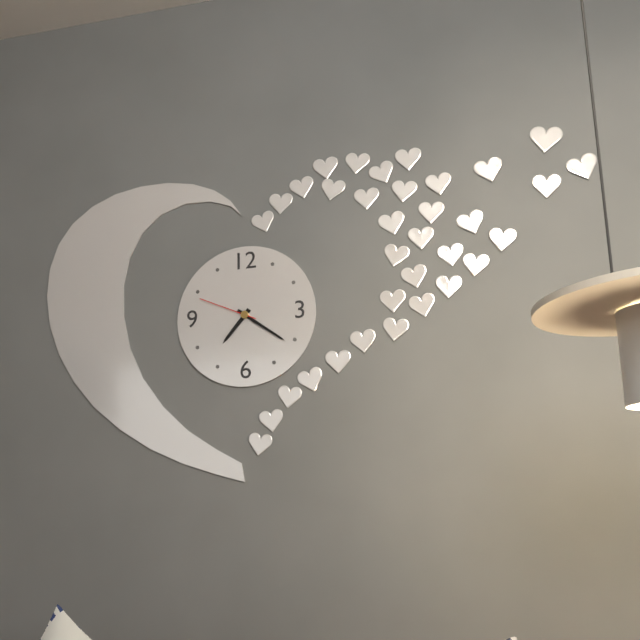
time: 7:21:49
